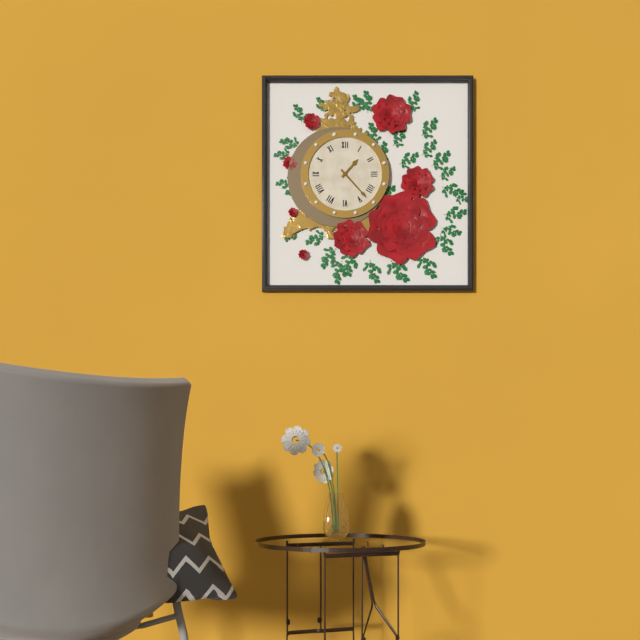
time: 1:23
